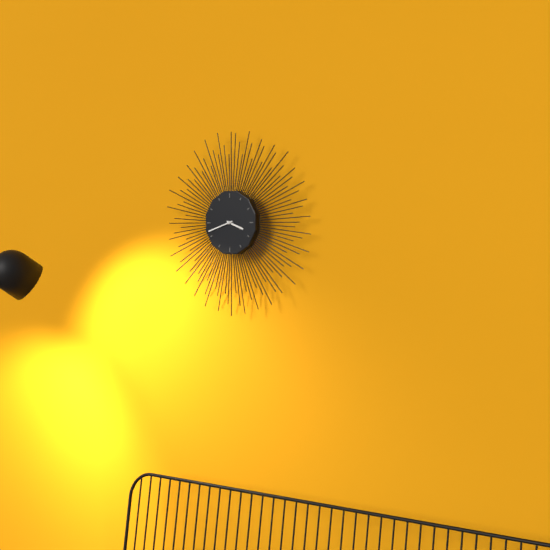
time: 3:42
